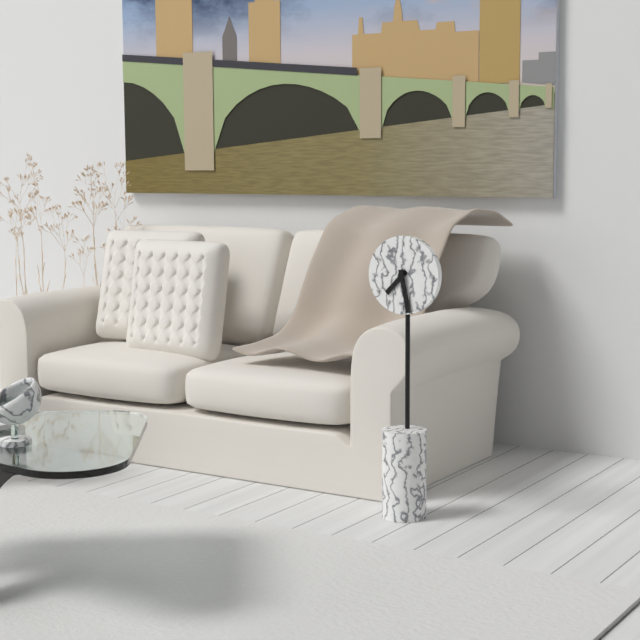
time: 7:28
